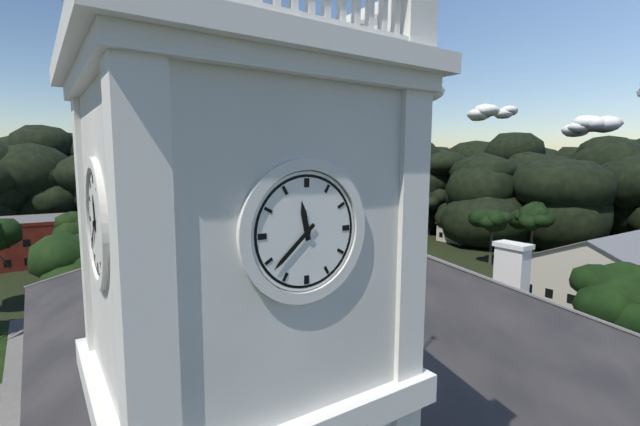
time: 11:38
